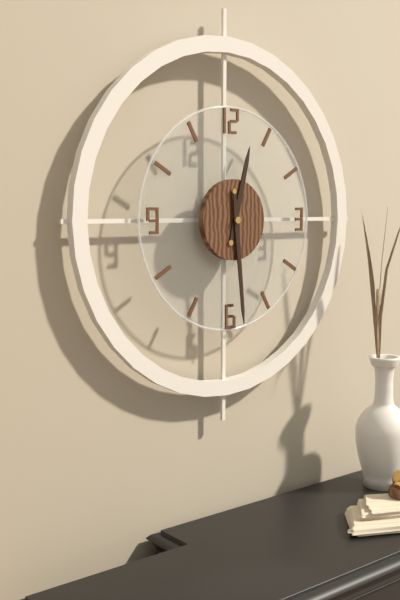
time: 12:29
